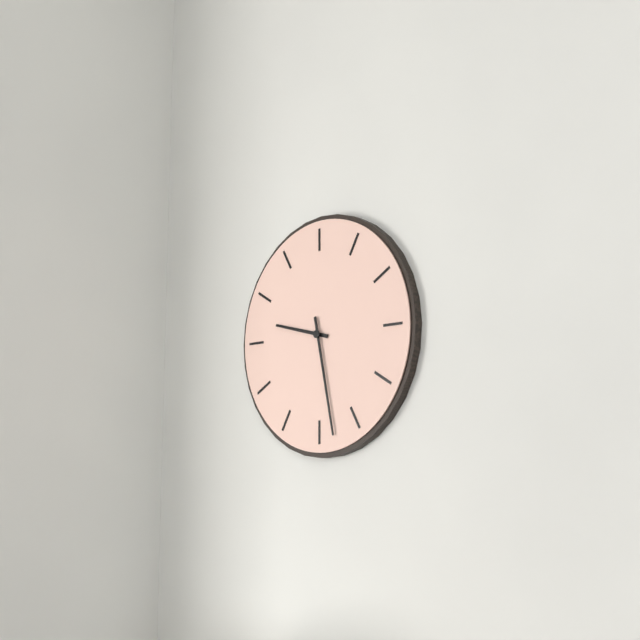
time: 9:28
